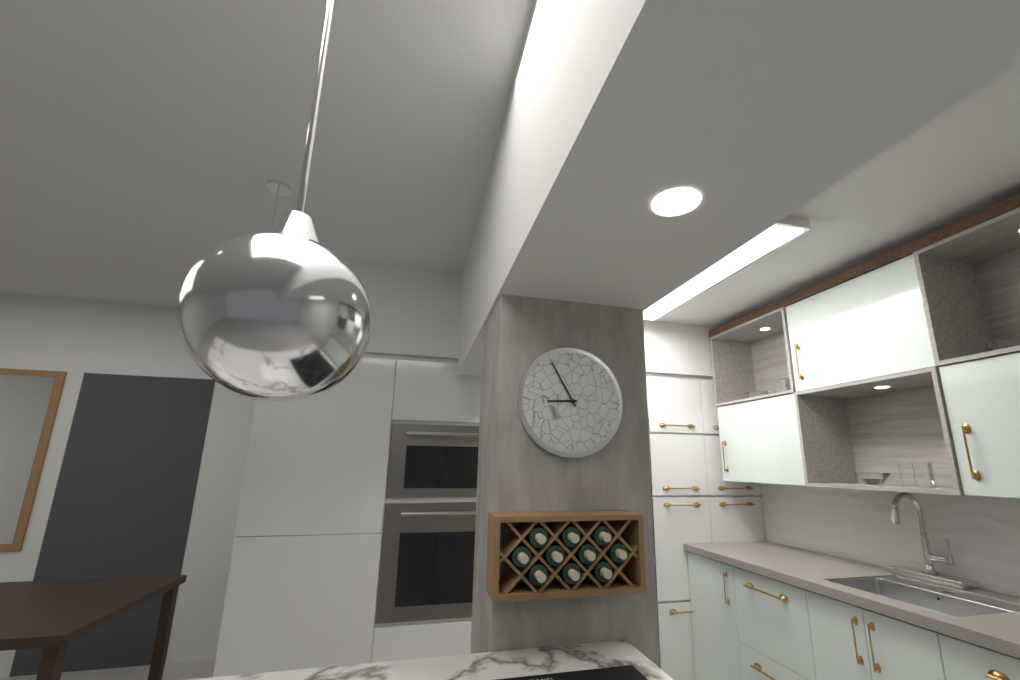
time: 8:55
